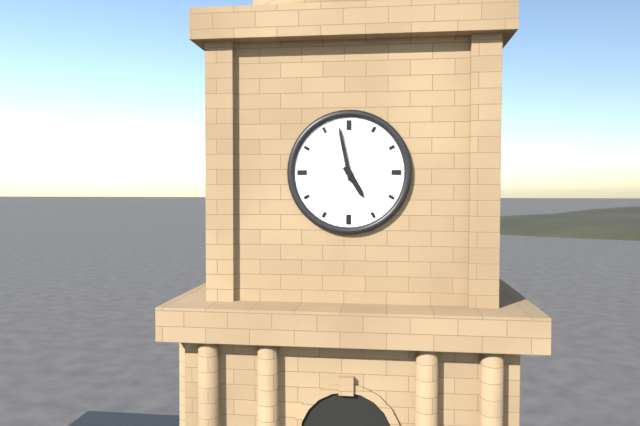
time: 4:58
